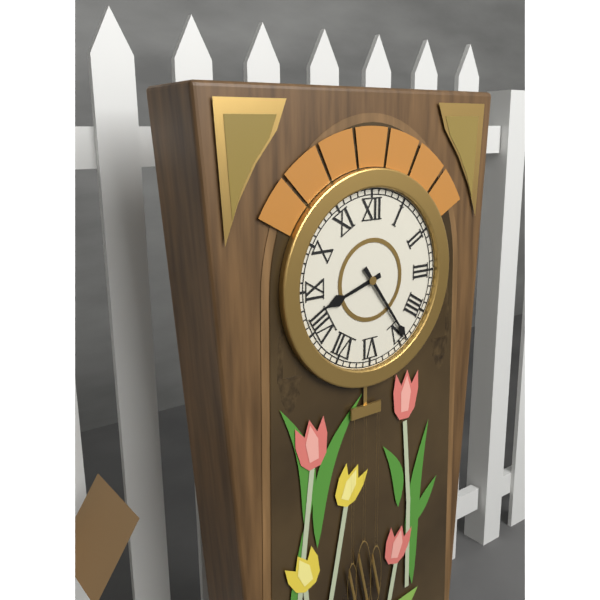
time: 8:24
